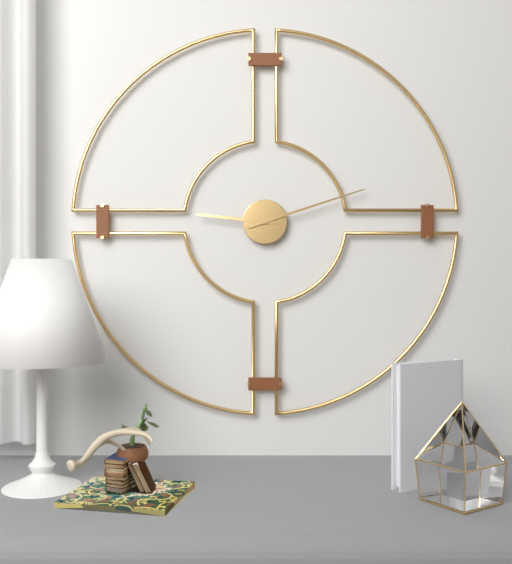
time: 9:12
